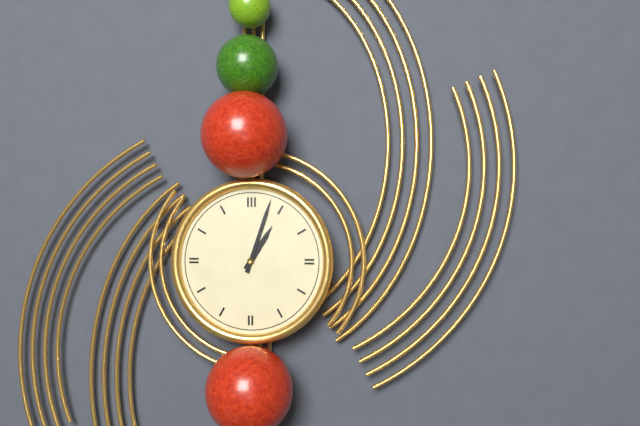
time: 1:03
